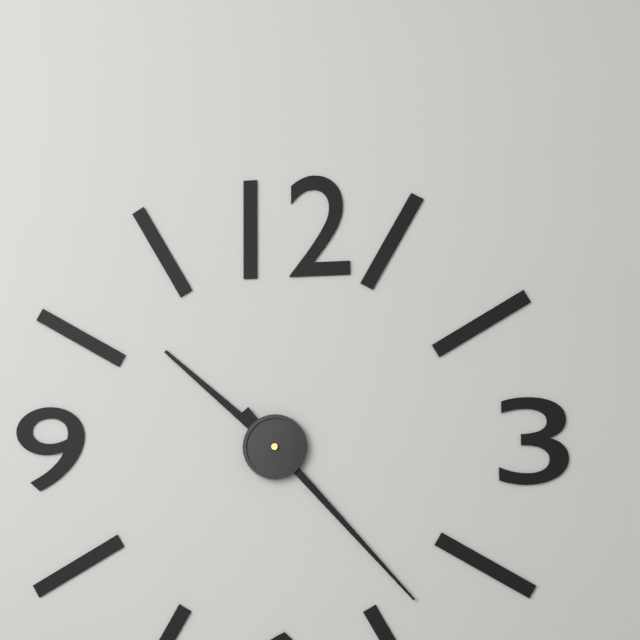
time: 10:23
